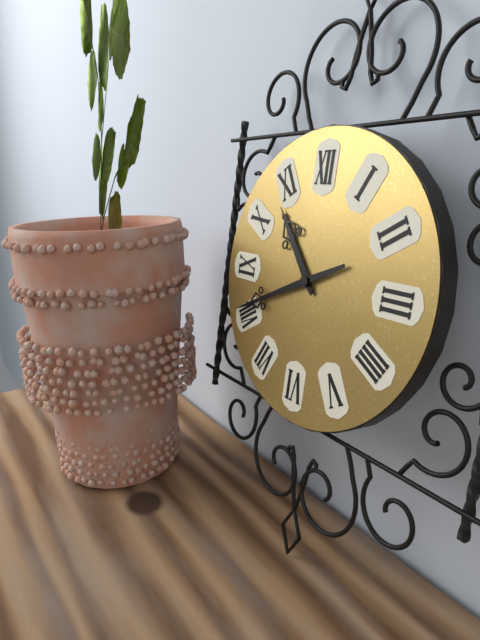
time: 10:41
